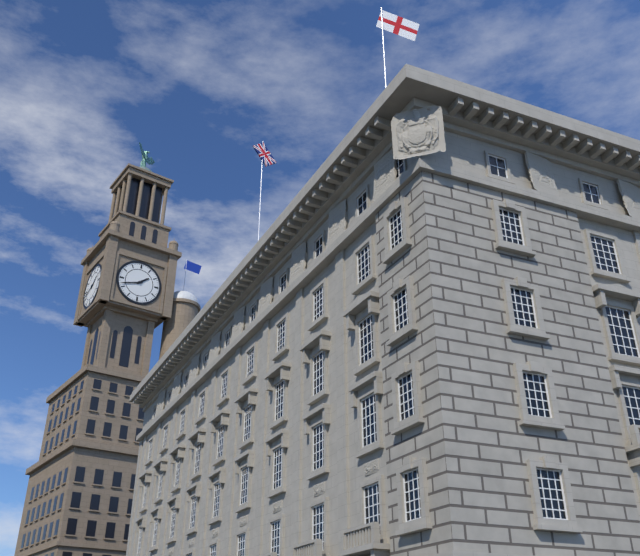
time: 1:42
